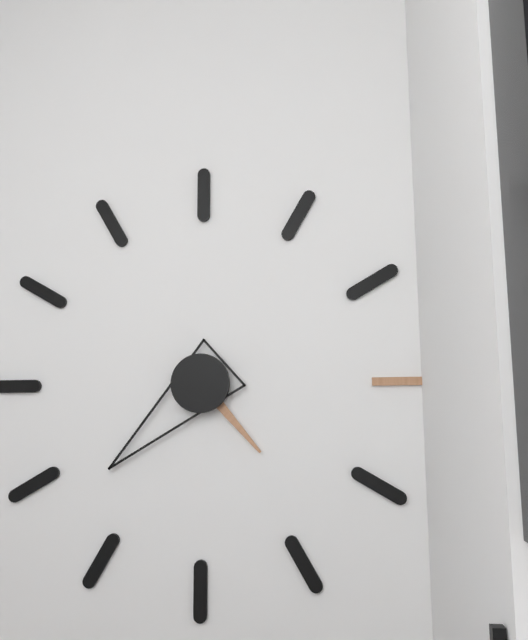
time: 4:38
